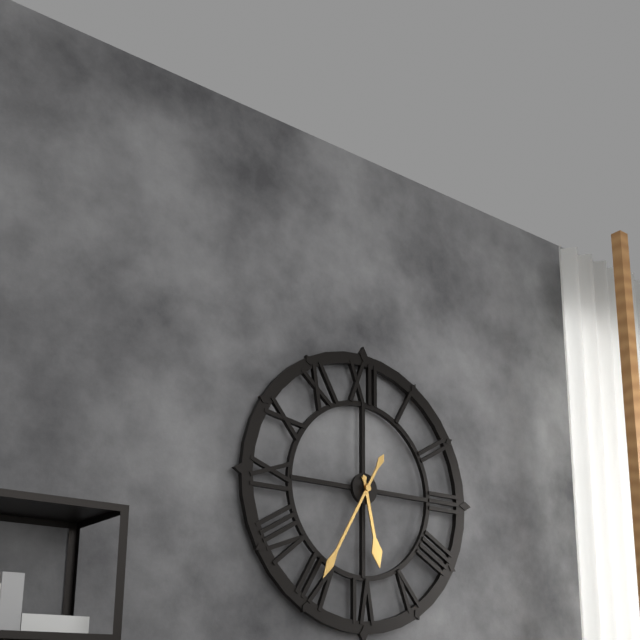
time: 5:35
